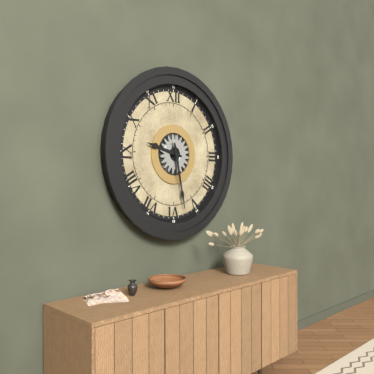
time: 9:28
